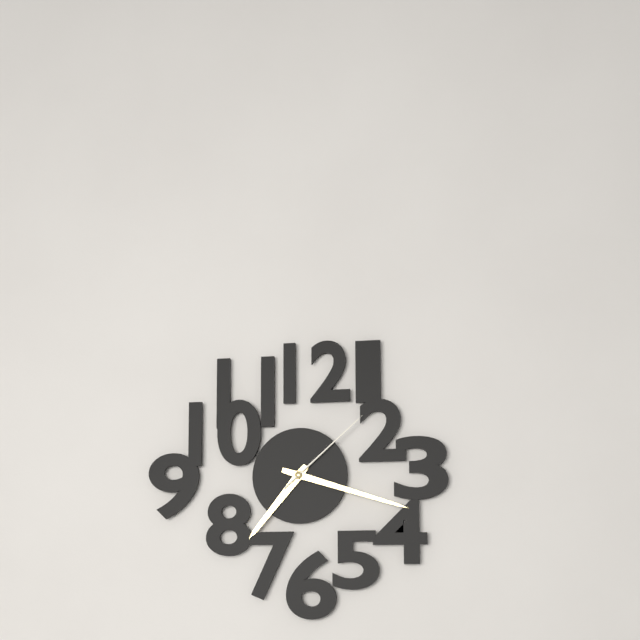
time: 7:18:08
